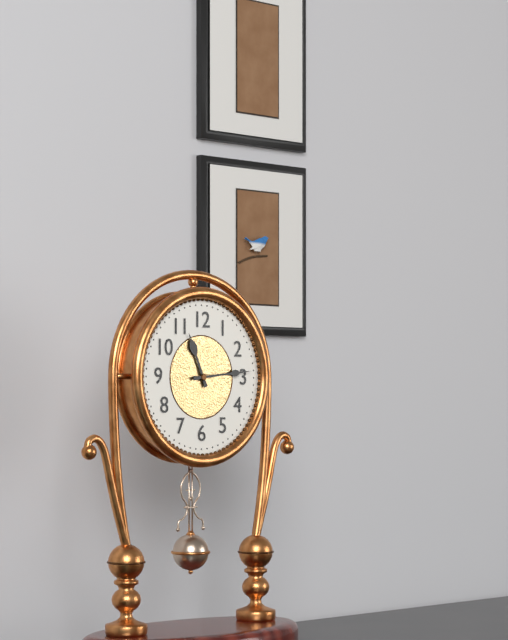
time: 11:14
